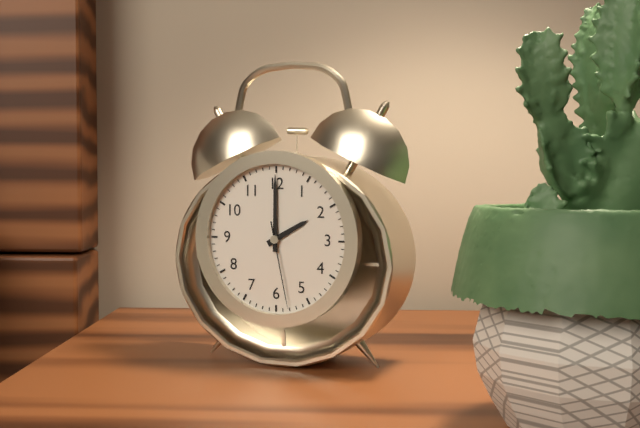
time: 2:00:28
